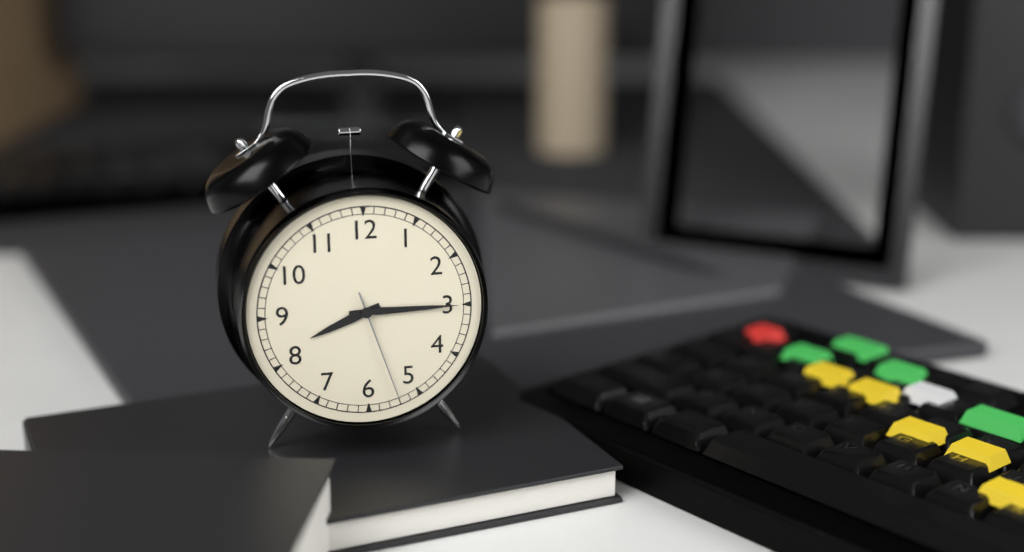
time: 8:15:27
